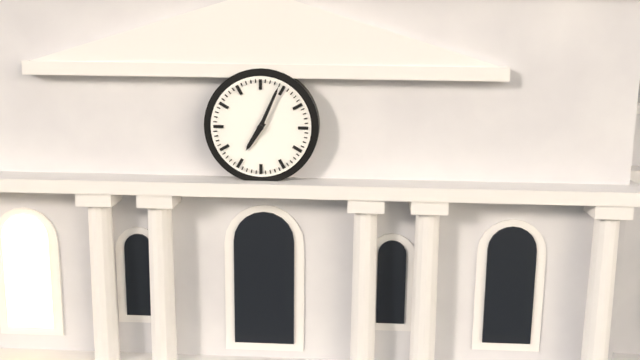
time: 7:04
